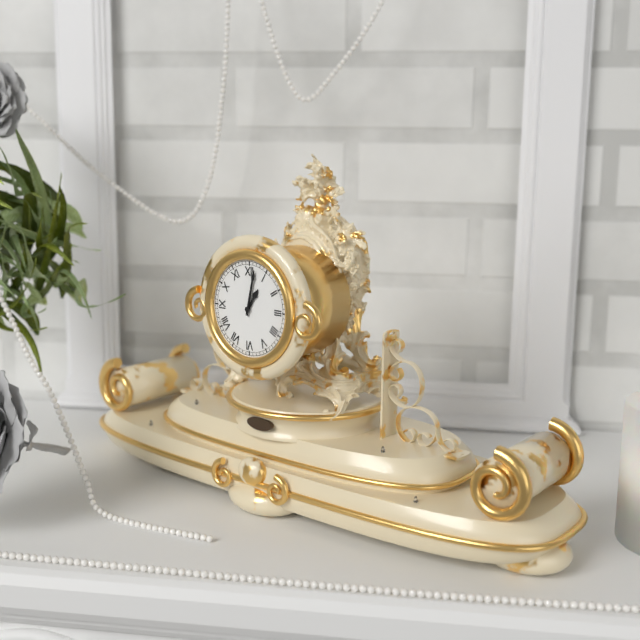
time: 1:02
